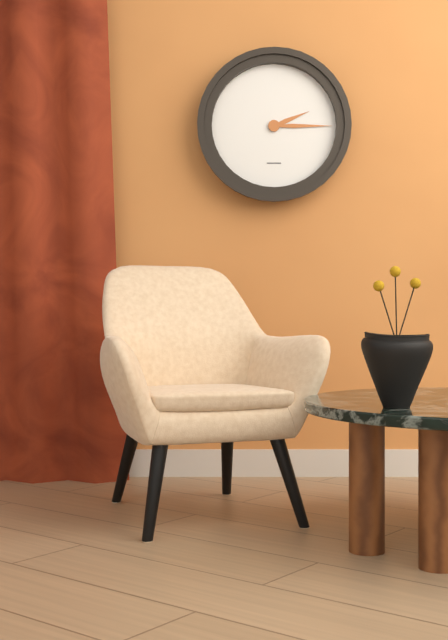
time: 2:15
